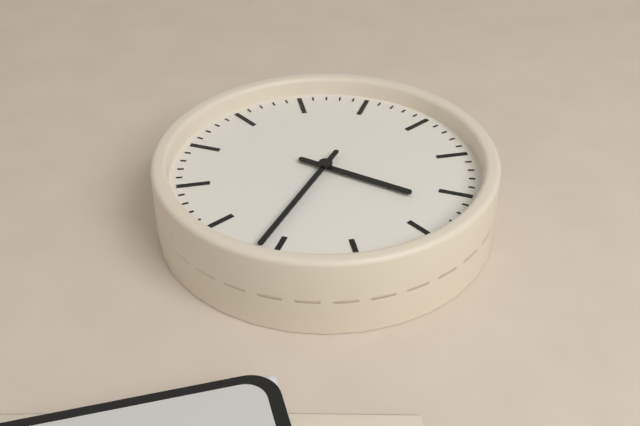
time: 1:21
